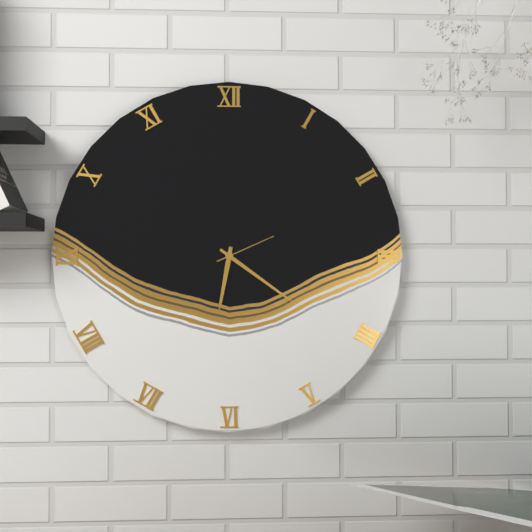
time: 6:21:11
